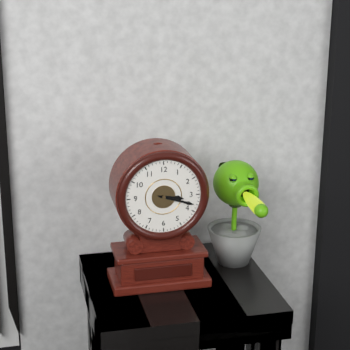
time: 3:18
